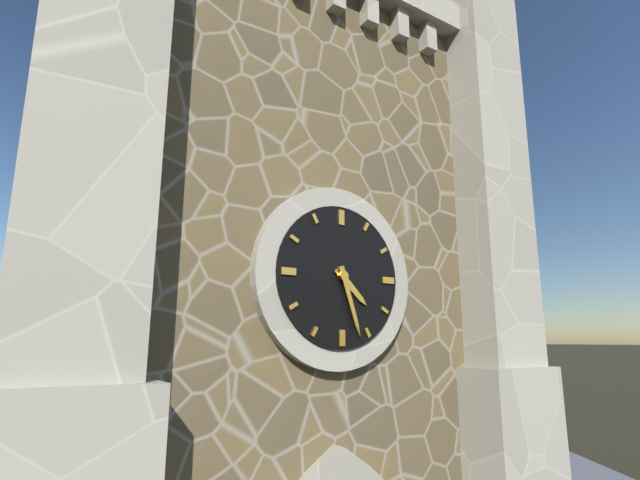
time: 4:27
